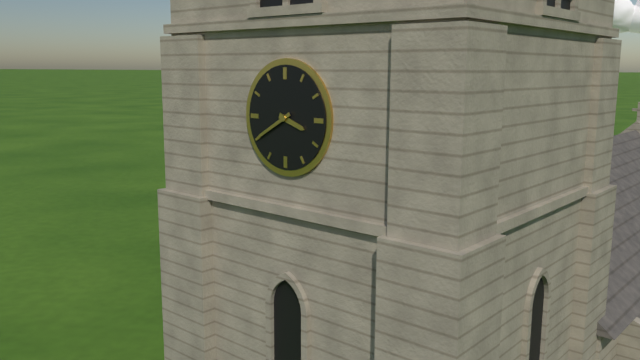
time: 3:40
